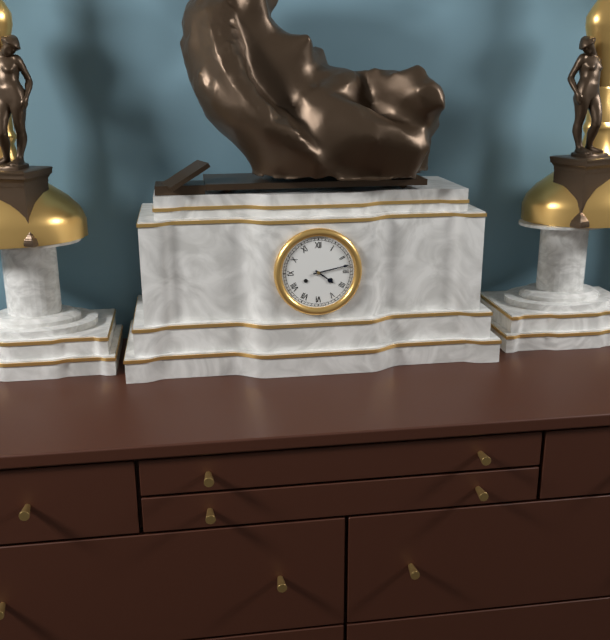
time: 4:13
